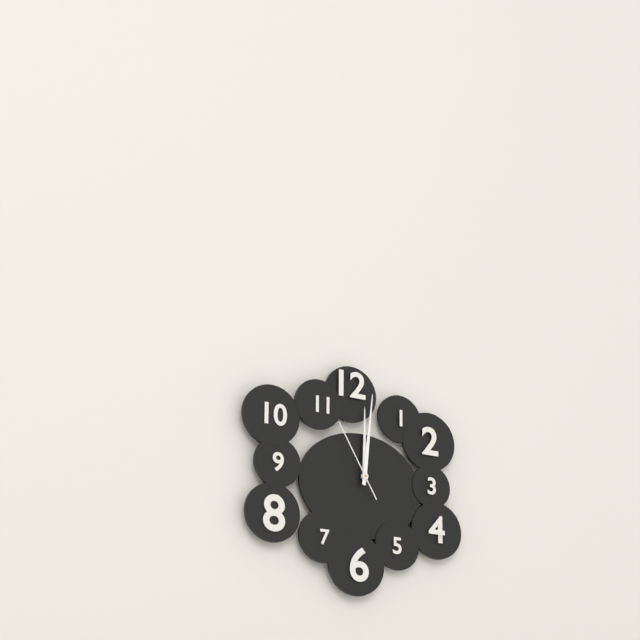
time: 12:01:55
